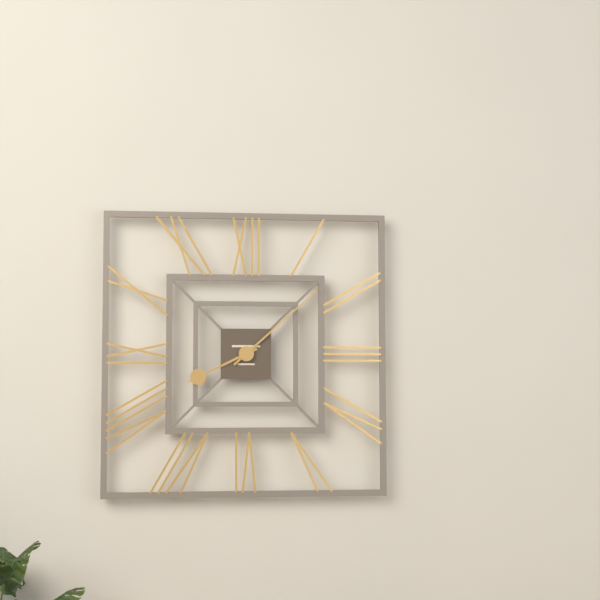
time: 8:08
